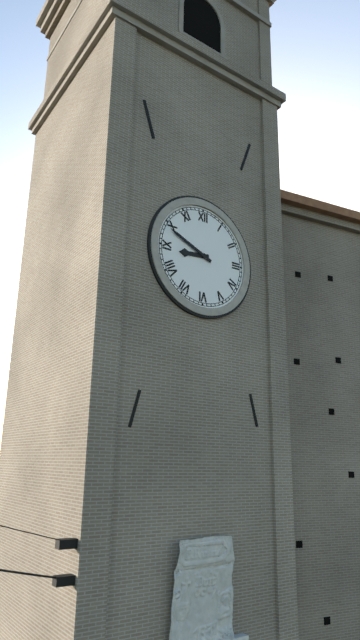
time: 8:49
